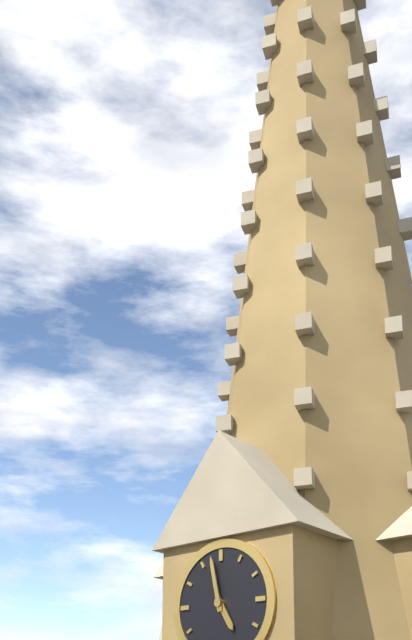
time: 4:58
